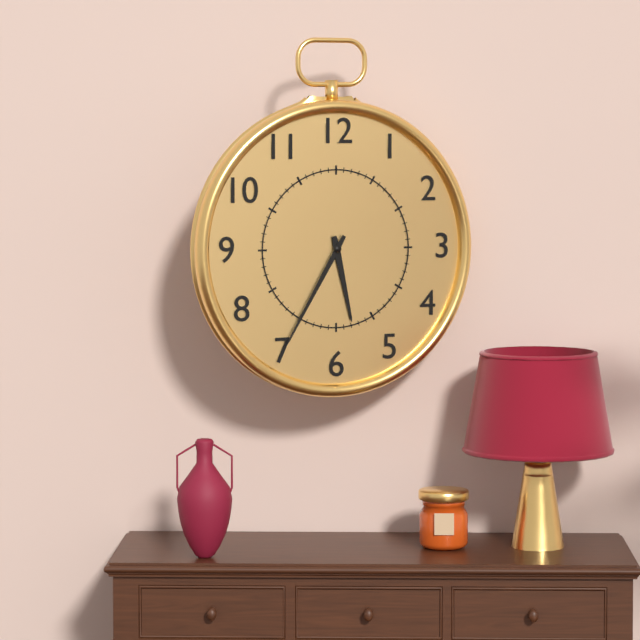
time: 5:35
